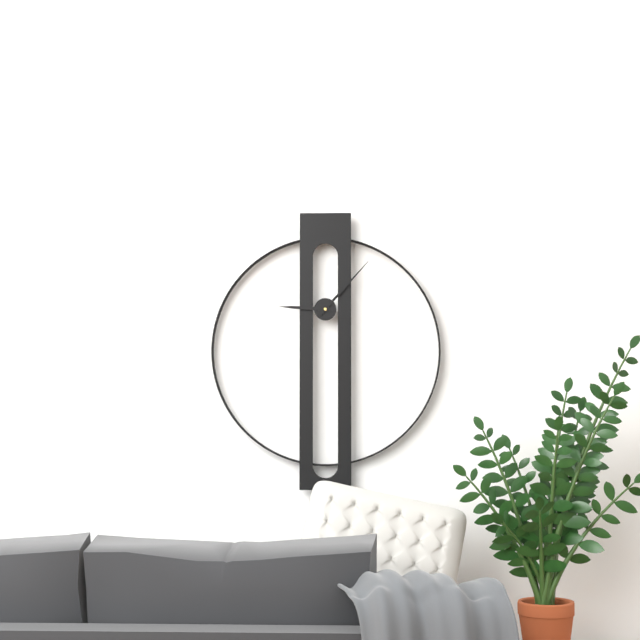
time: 9:07
